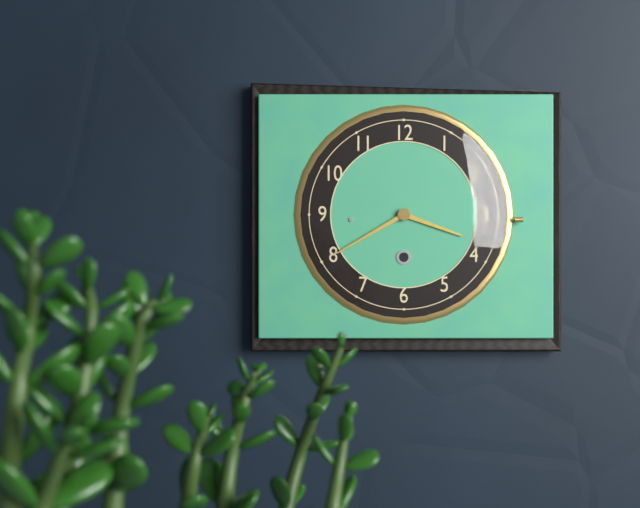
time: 3:40
